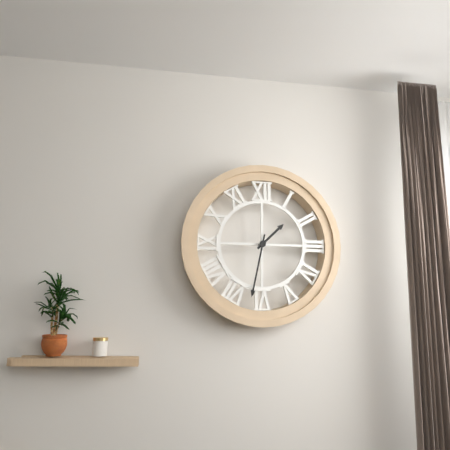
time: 1:32
